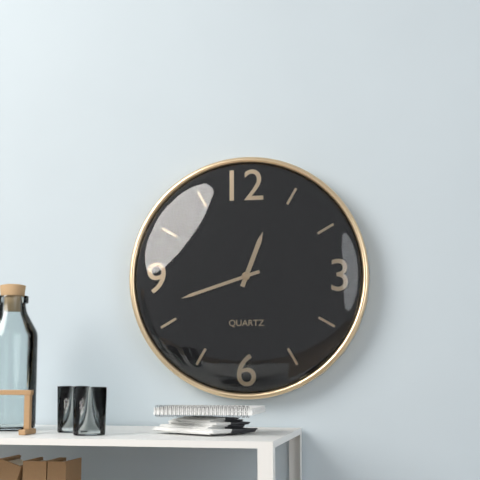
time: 12:42
